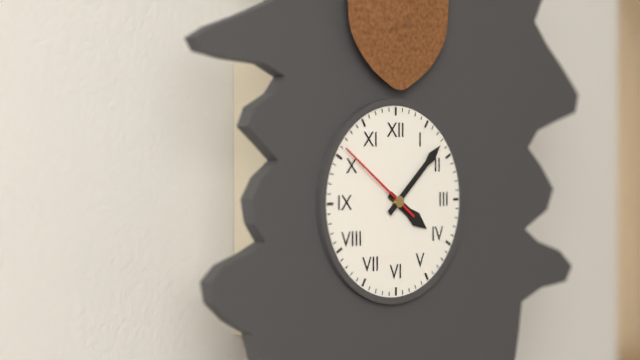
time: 4:08:51
